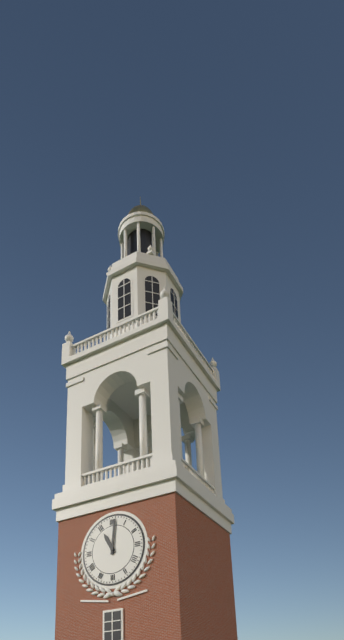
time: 11:01
